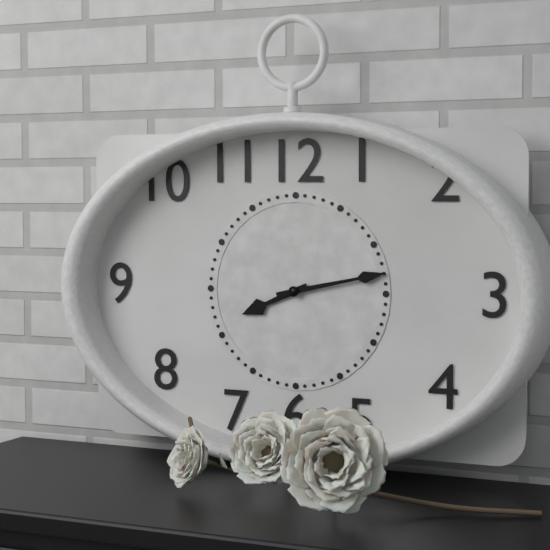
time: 8:13
